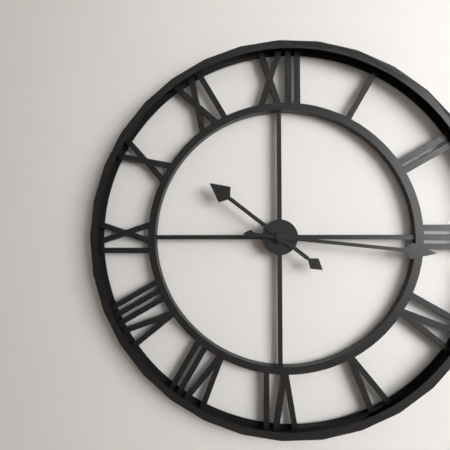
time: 10:16
